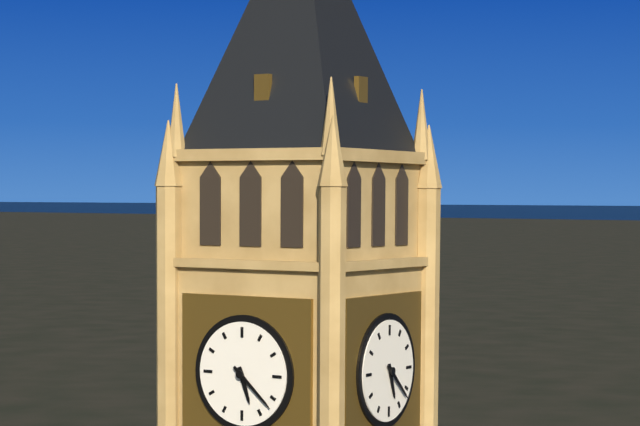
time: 5:22
